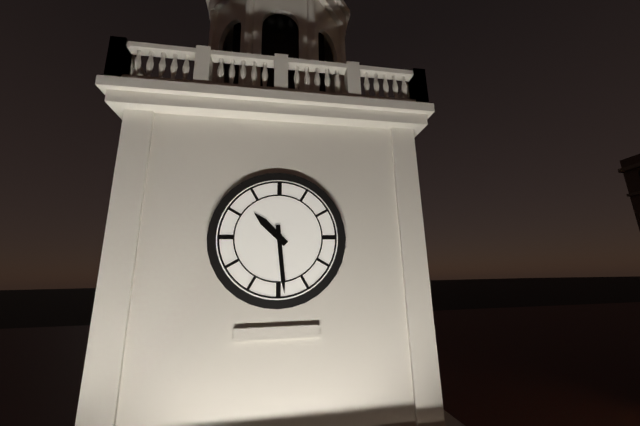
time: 10:29
